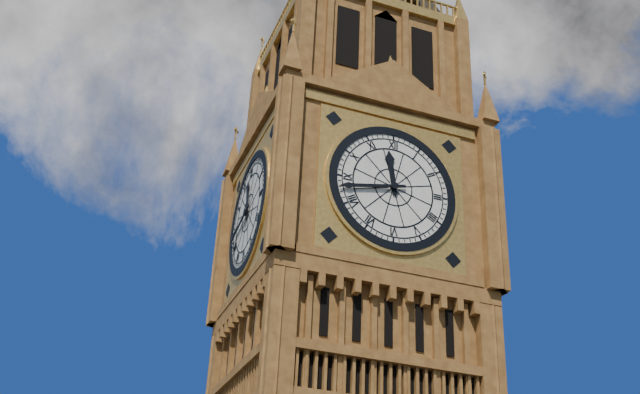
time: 11:43
